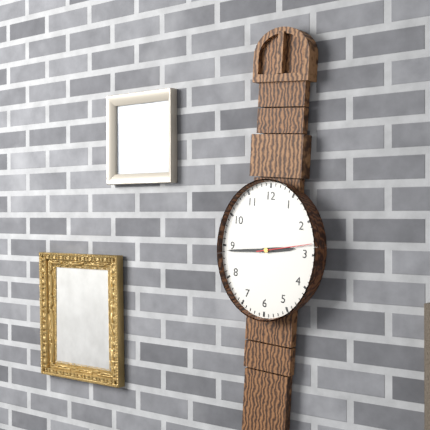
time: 2:44
